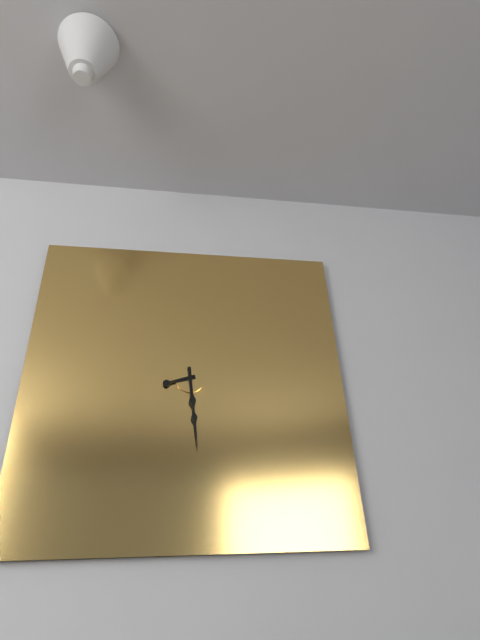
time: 8:29
